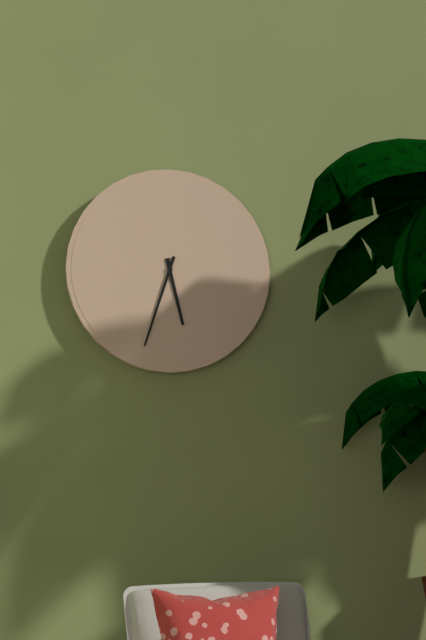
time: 5:33
